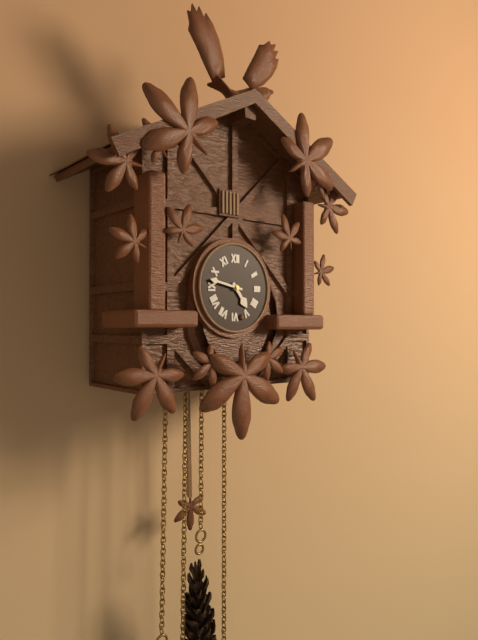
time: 4:47
